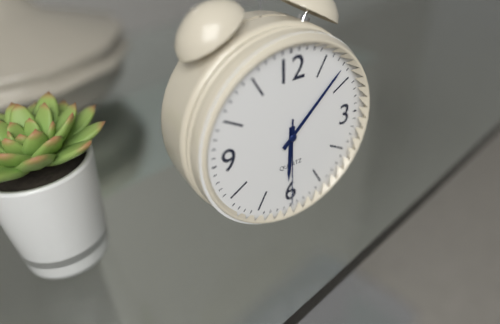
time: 6:08:30
